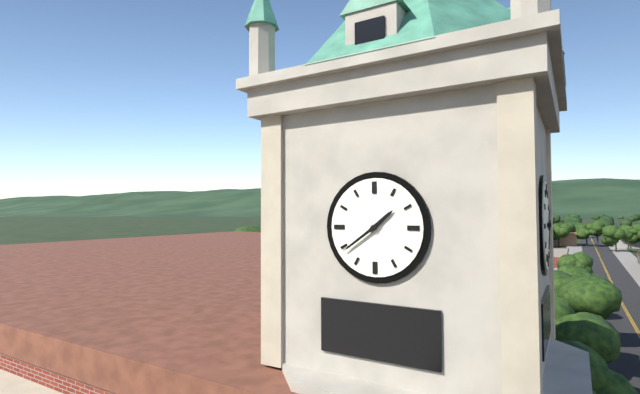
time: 1:39
